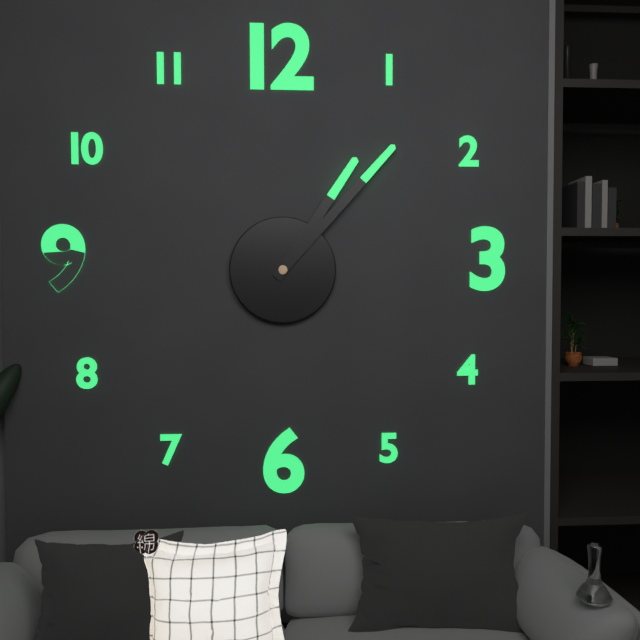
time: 1:07
